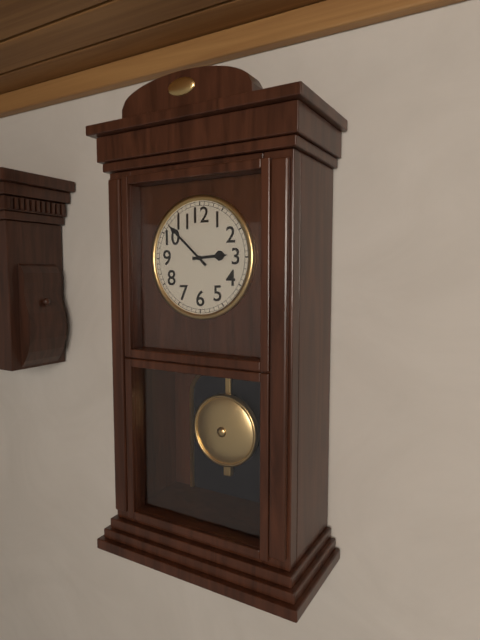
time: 2:52
